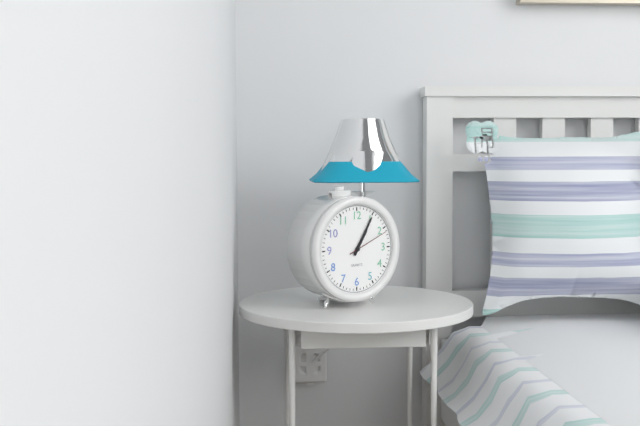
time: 1:05
